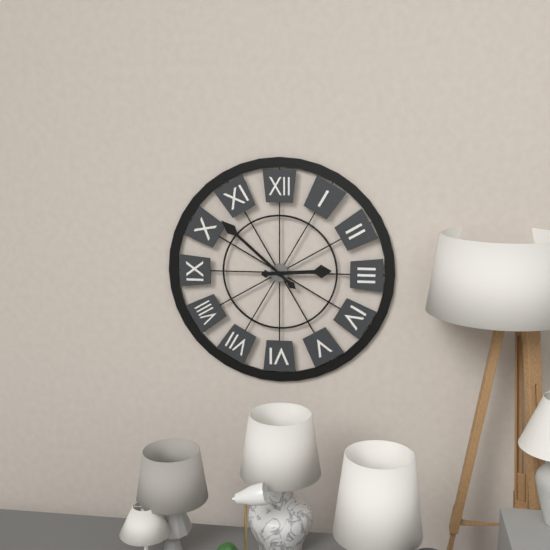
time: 2:52
